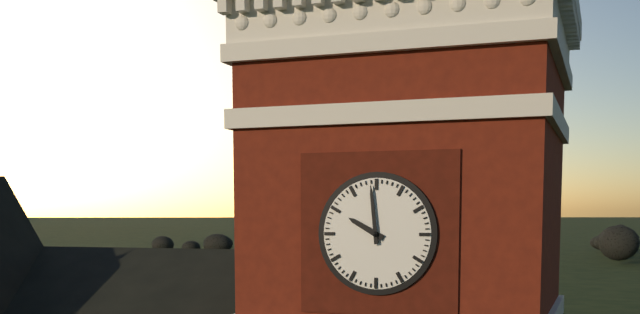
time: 9:59
